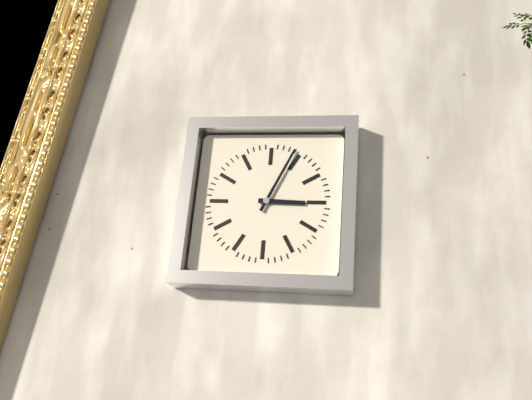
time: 3:04
